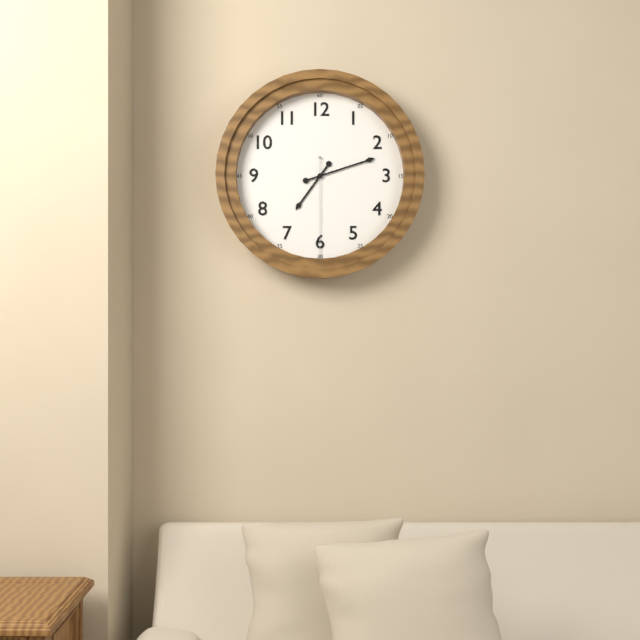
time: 7:12:30
